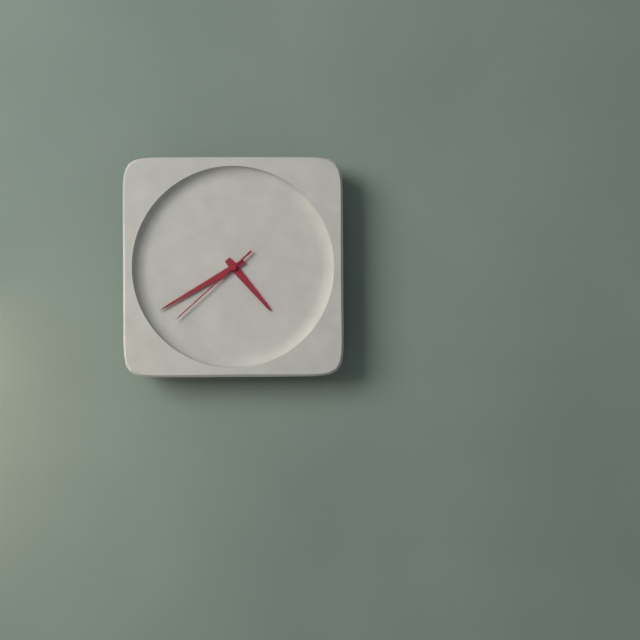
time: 4:40:38
